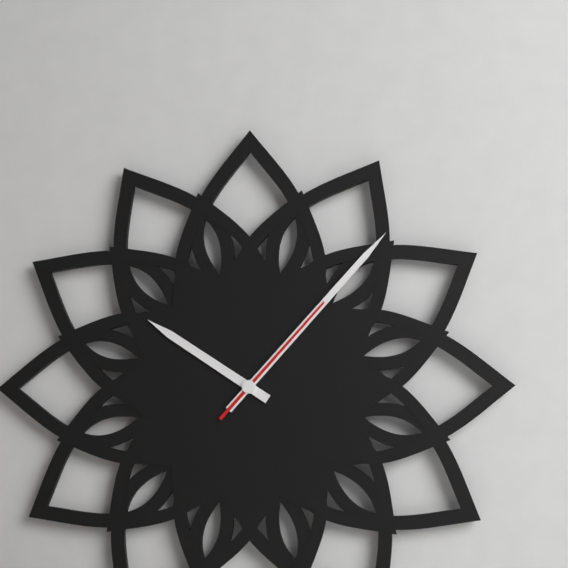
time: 10:07:07
